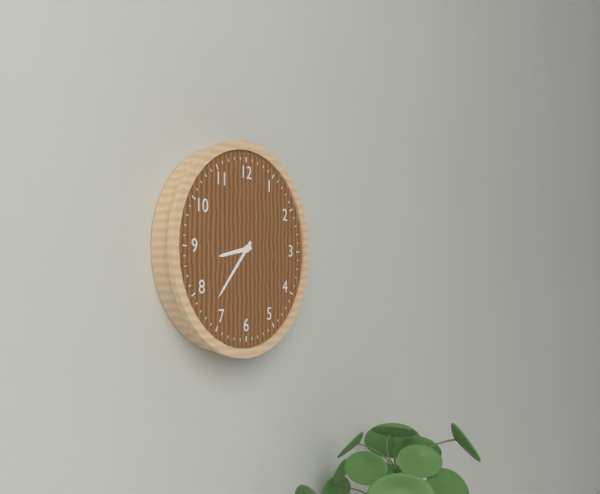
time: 8:37
